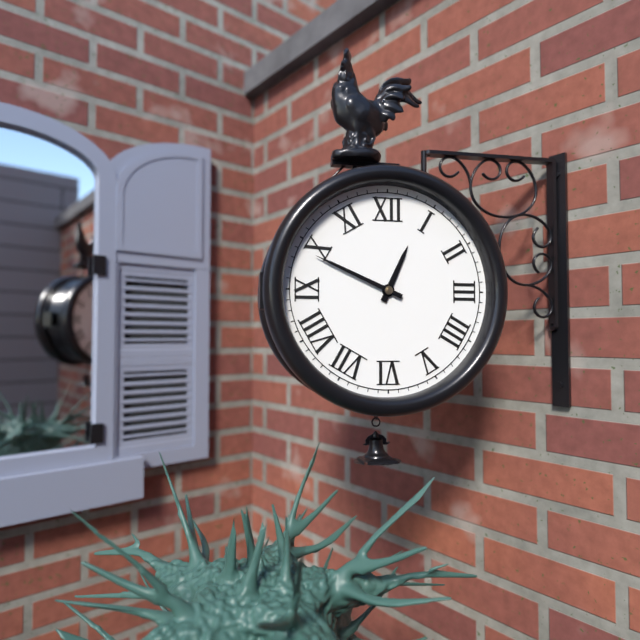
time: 12:49
